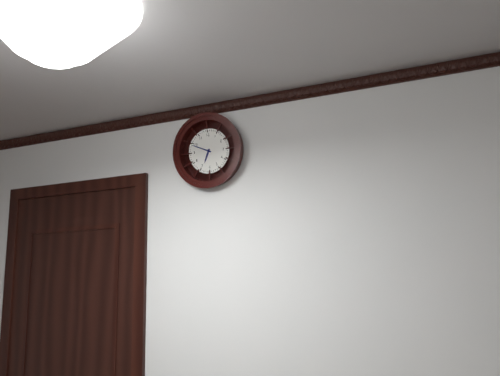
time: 6:49
